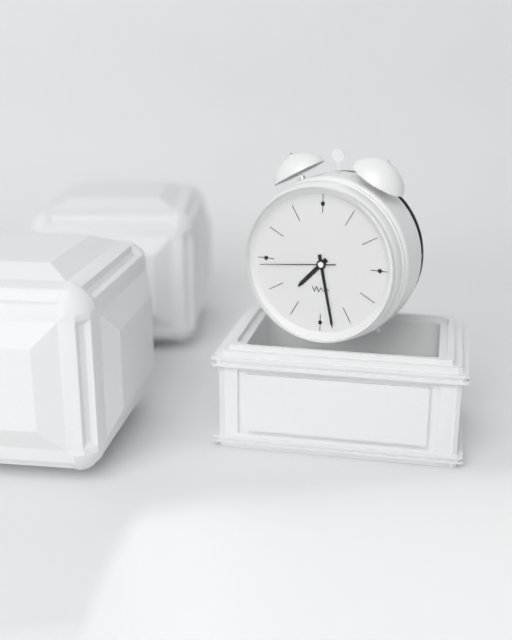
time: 7:28:44
